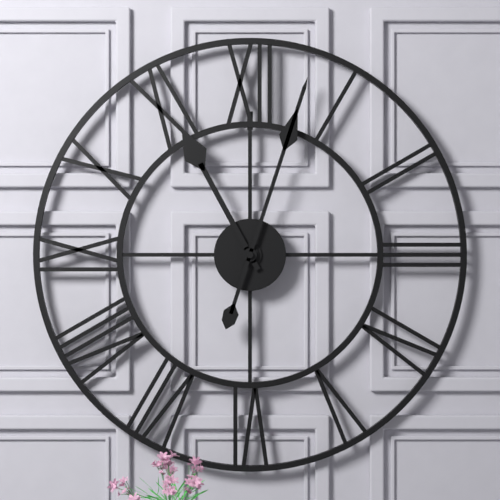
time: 11:03
